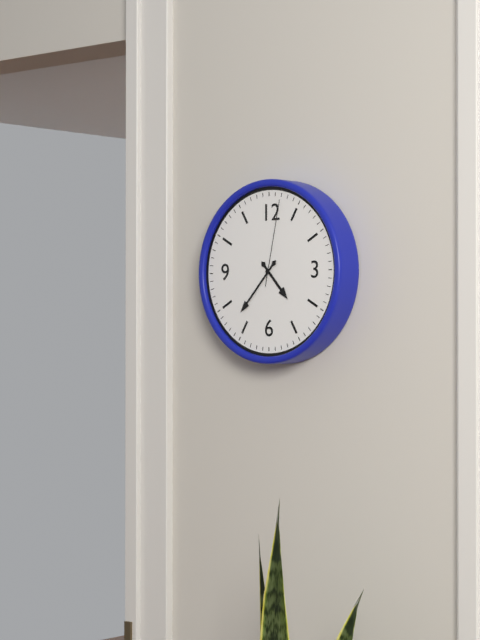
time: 4:37:02
